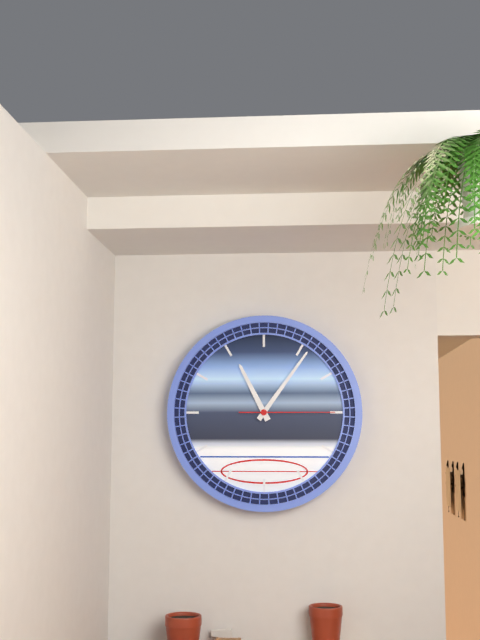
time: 11:06:15
